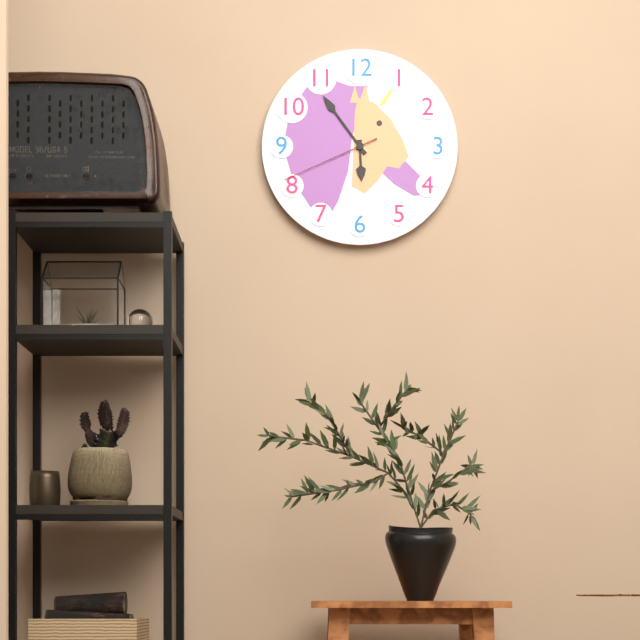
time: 5:54:41
